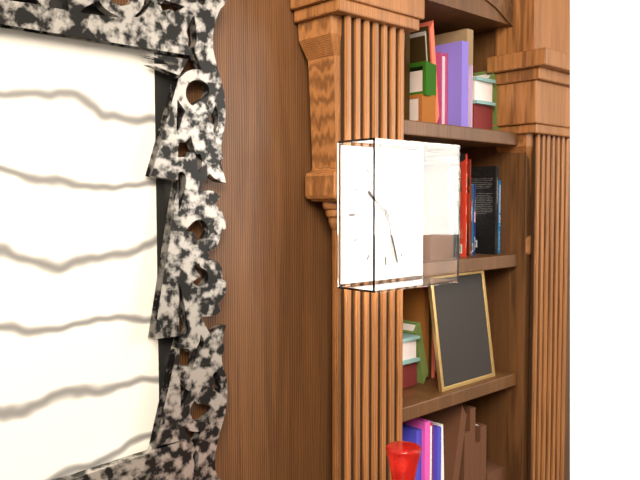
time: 10:27
